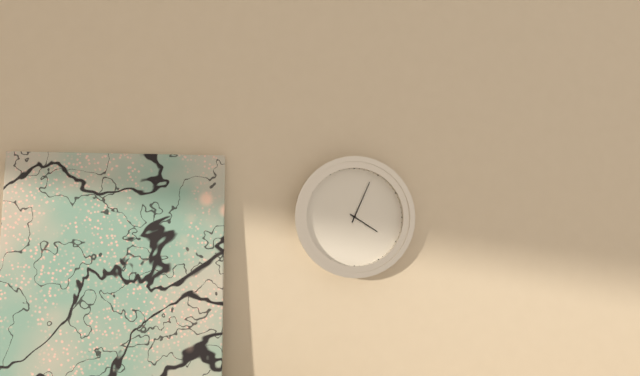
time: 4:04
